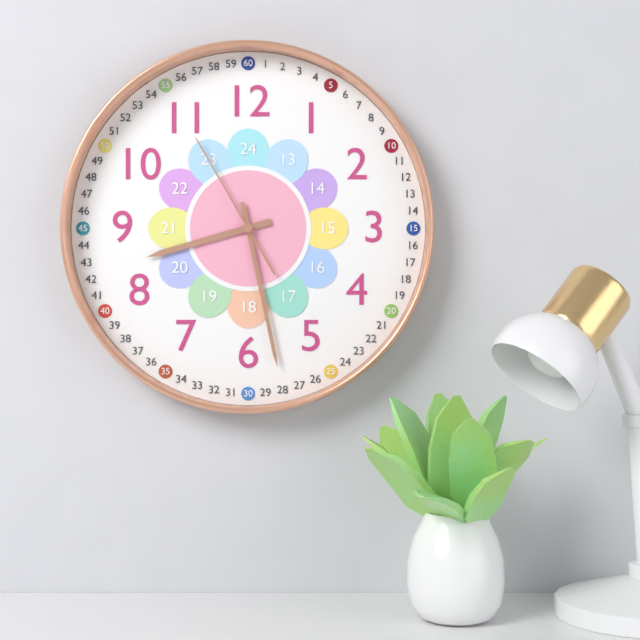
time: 8:28:55
